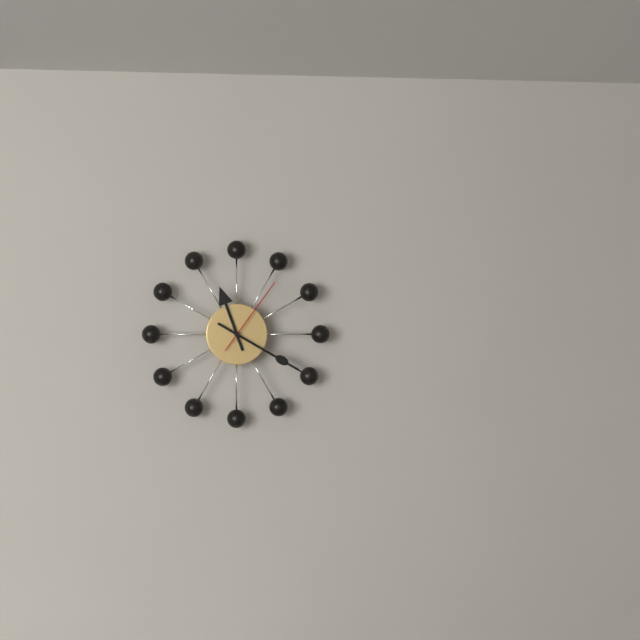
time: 11:20:06
